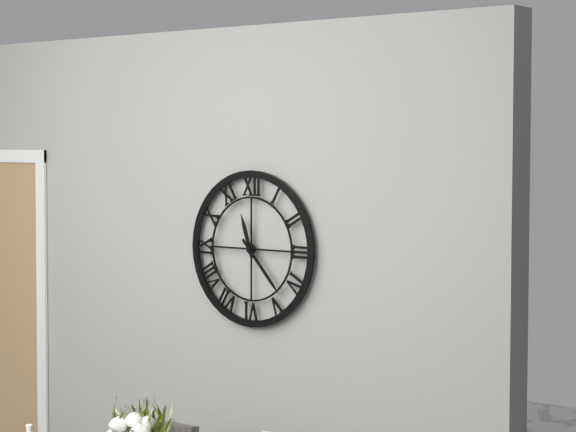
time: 11:23
